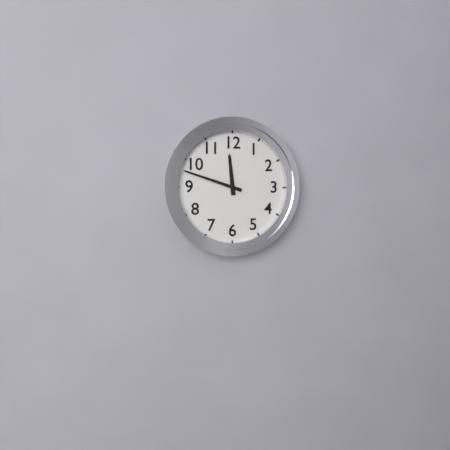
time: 11:48
